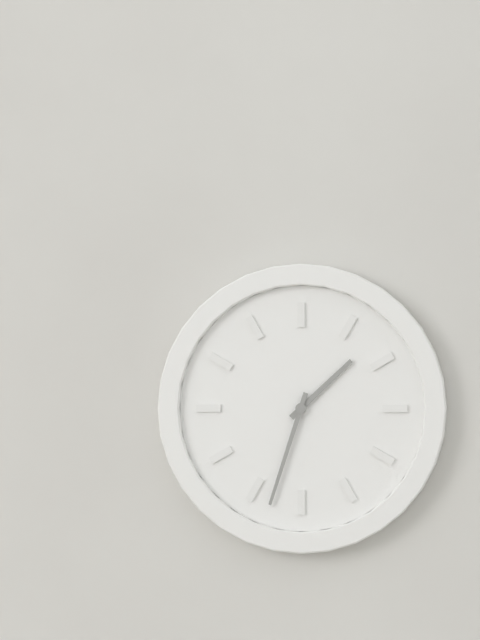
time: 1:33
